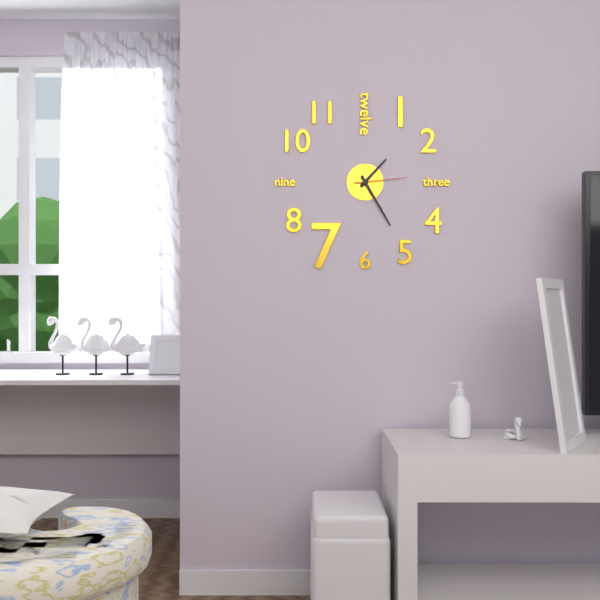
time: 1:25:14
